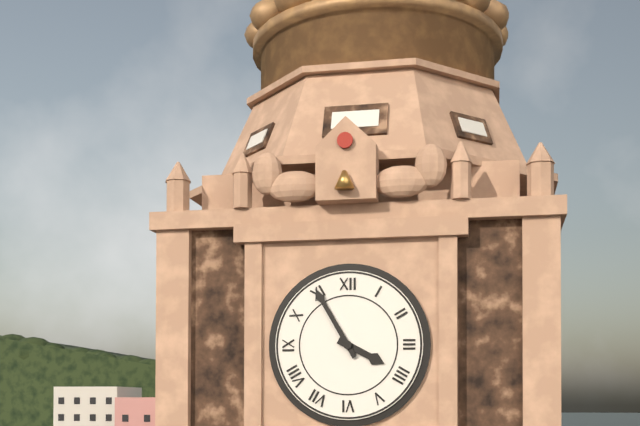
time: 3:55
